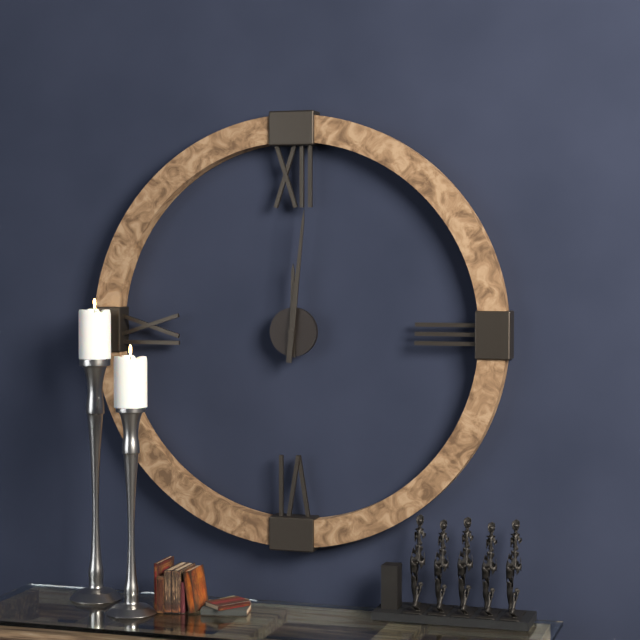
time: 12:01
